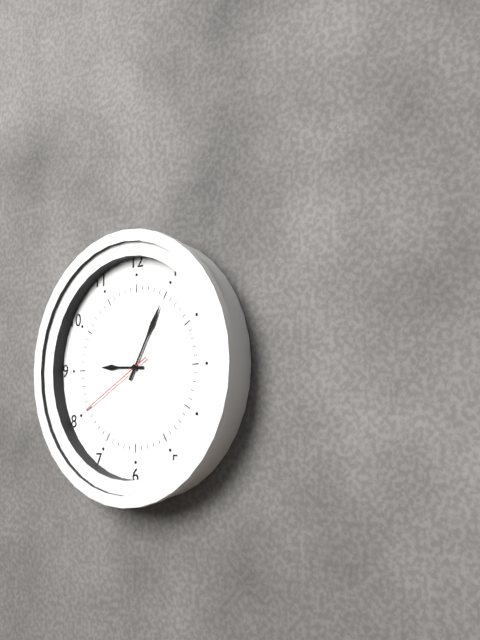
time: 9:05:40
